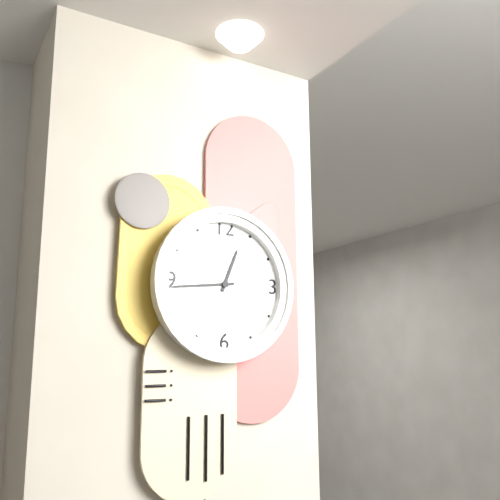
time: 12:44
